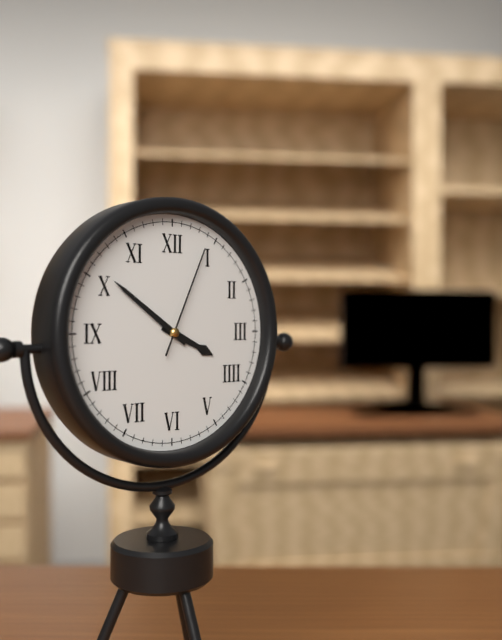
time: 3:51:04
